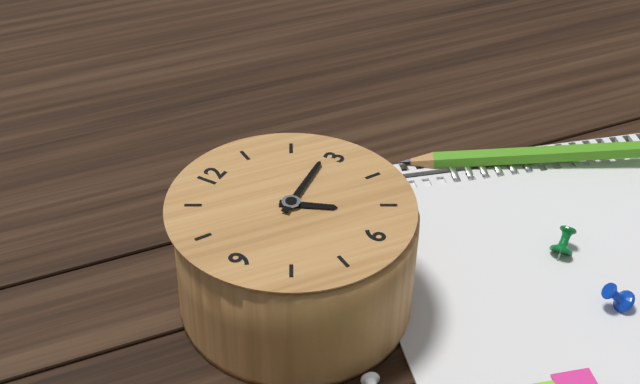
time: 5:14
